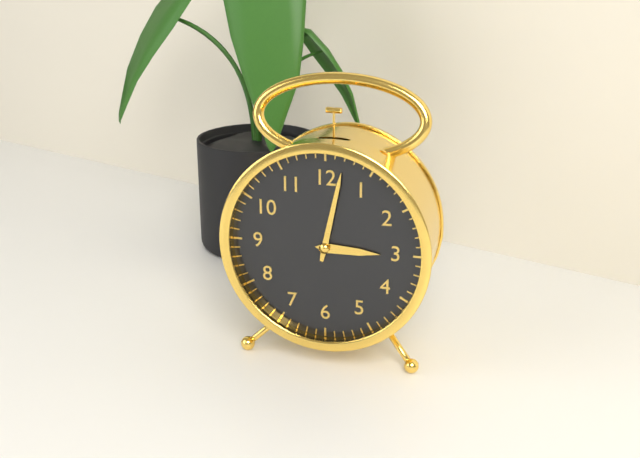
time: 3:02
